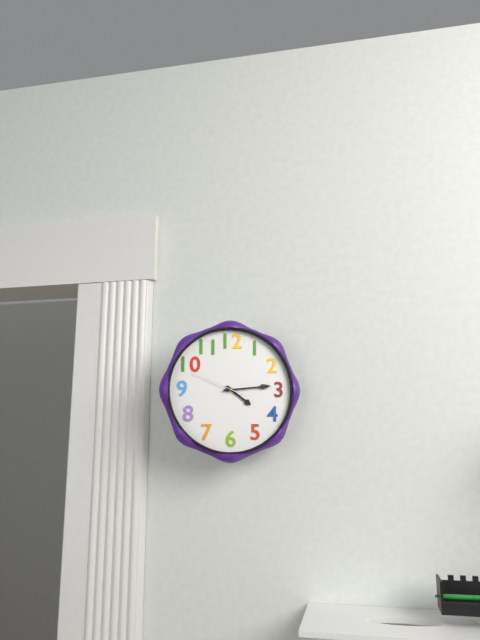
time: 4:14:49
